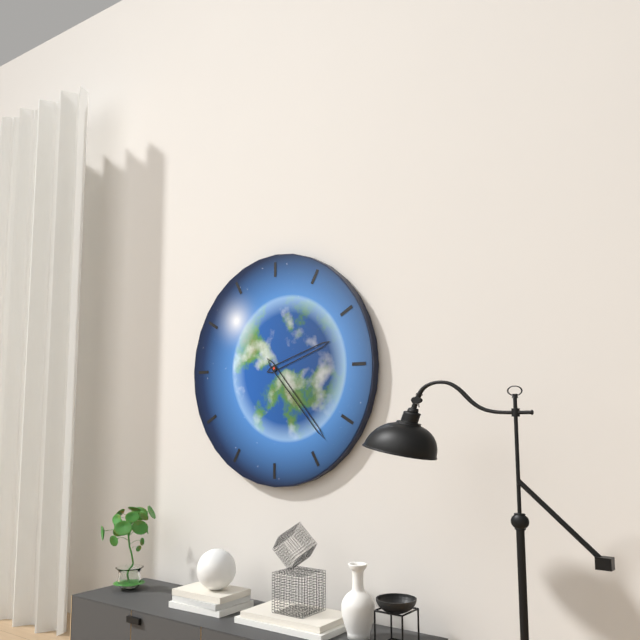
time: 2:23
